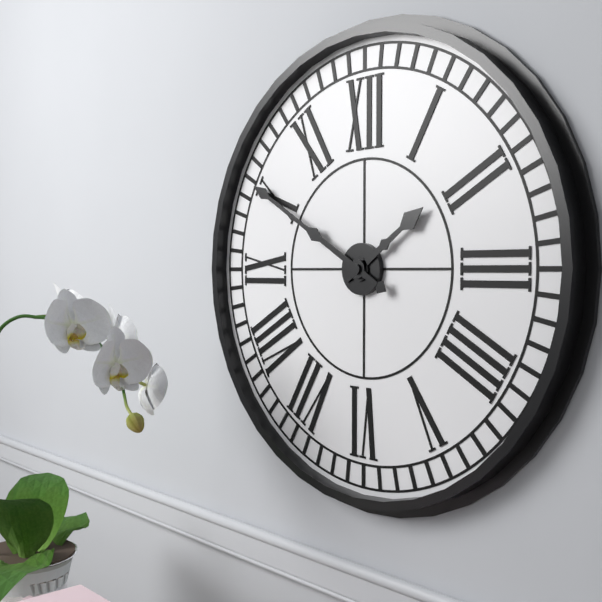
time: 1:50
